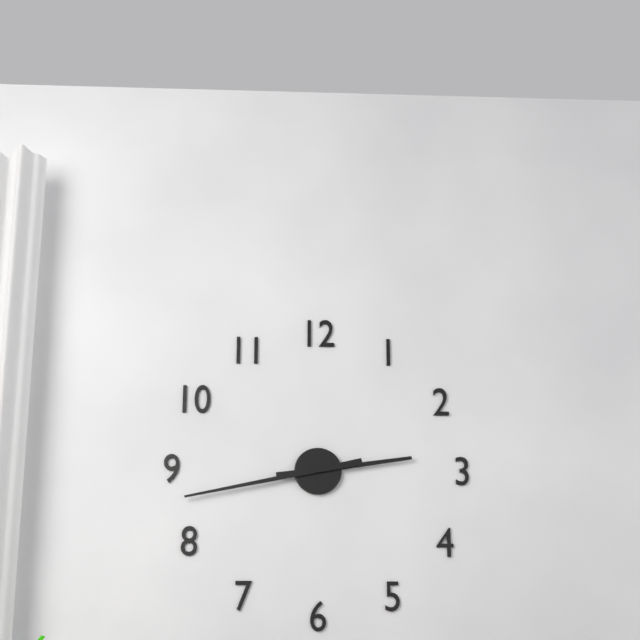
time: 2:43
